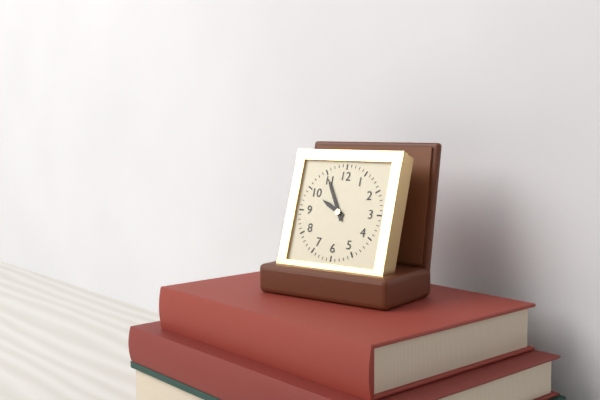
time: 9:55
